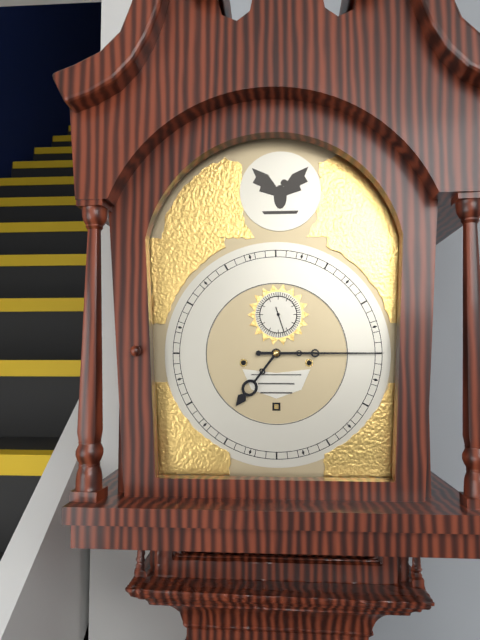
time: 7:15
